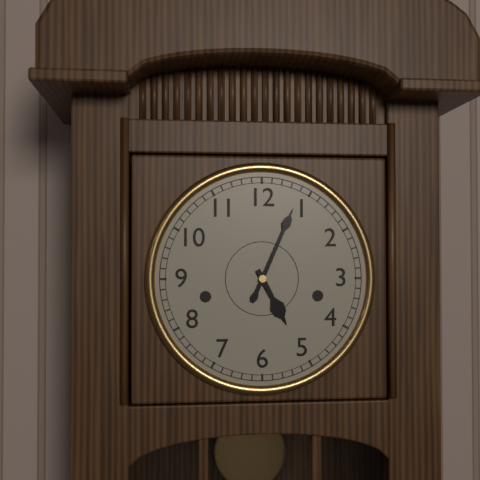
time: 5:04
